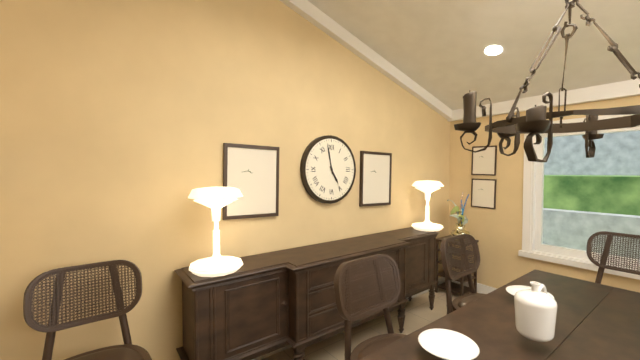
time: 4:58
